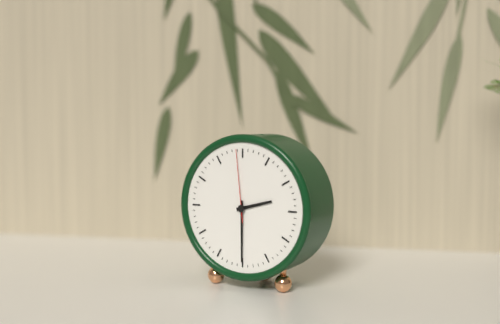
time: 2:30:59
